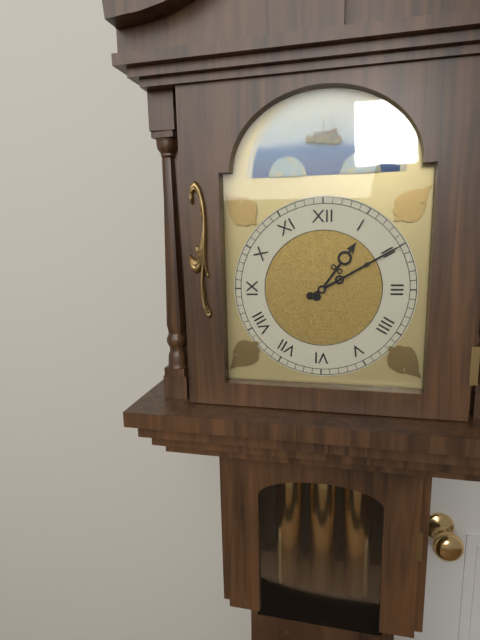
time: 1:10
